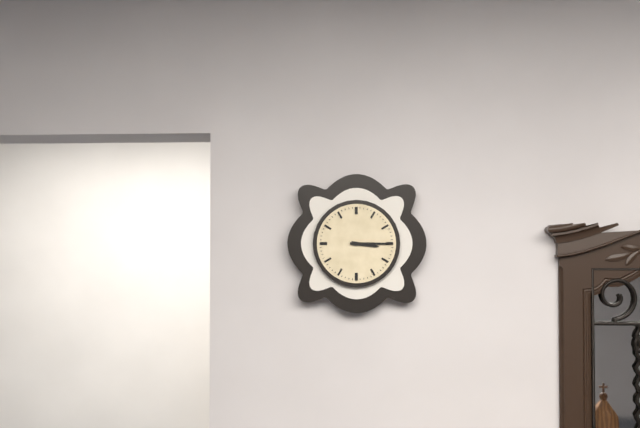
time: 3:15
